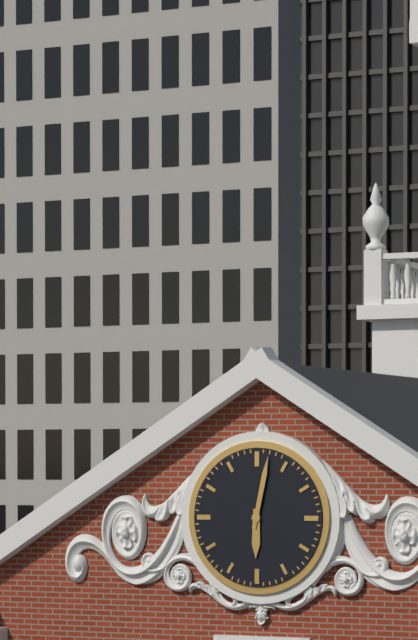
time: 6:02
